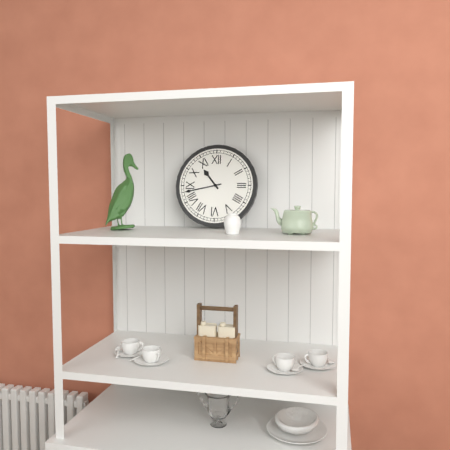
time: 10:43
